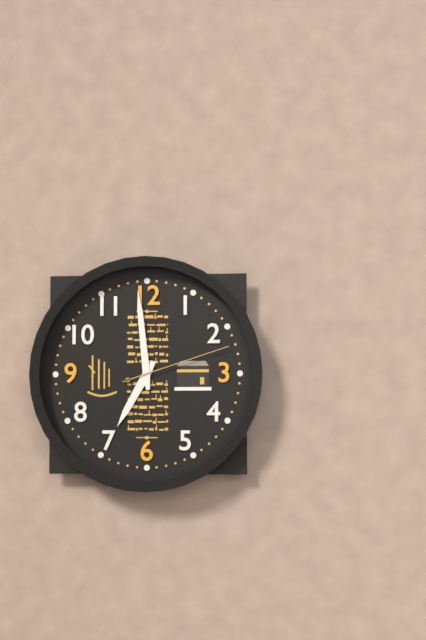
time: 6:59:12
